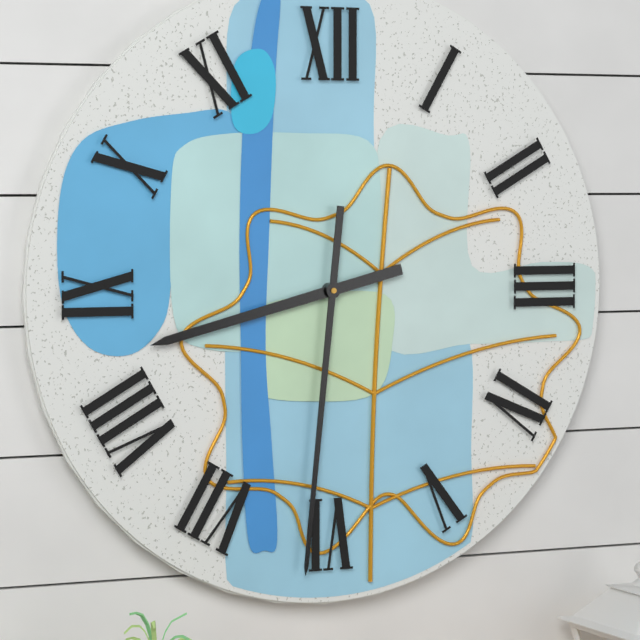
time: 8:31
